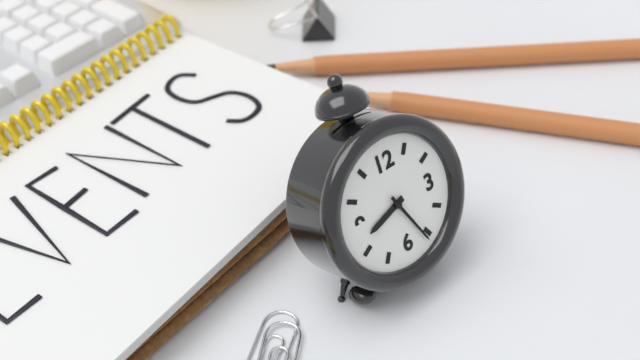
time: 8:26
